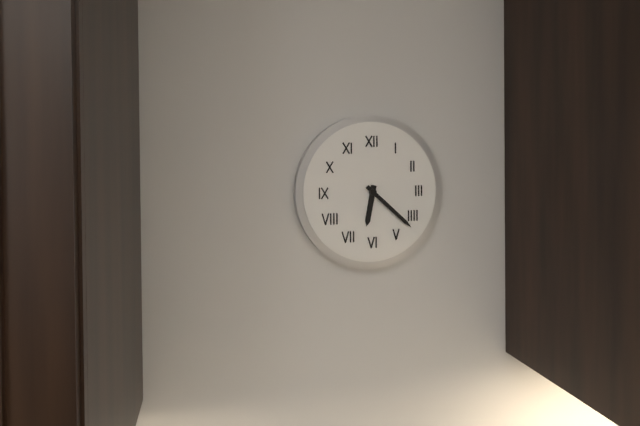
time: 6:22
